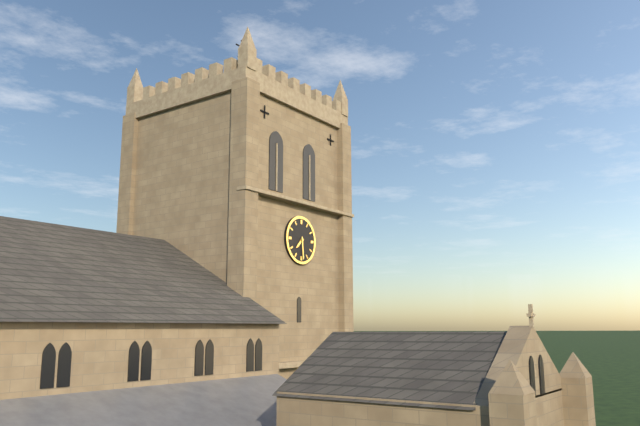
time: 7:29
